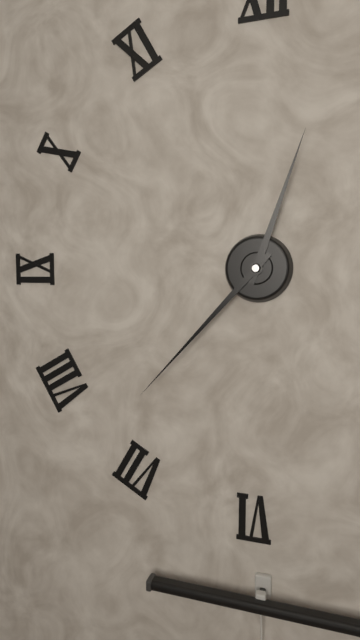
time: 12:37
